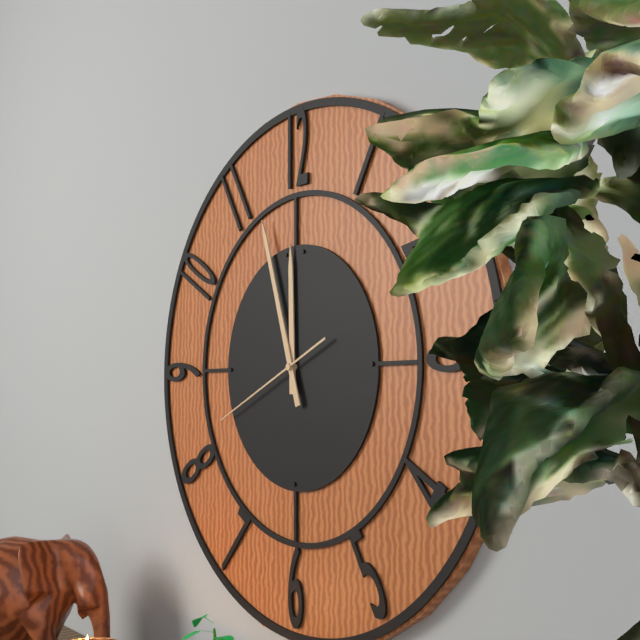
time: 11:57:41
